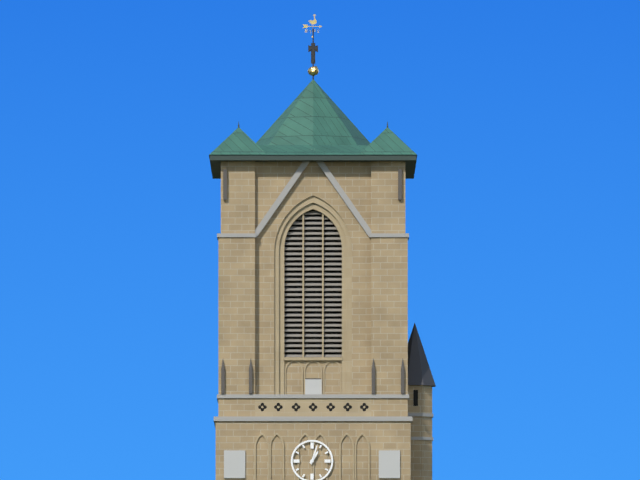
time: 1:03
